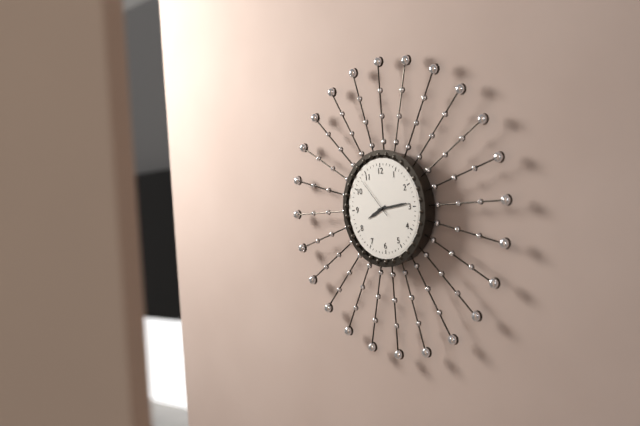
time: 8:14
